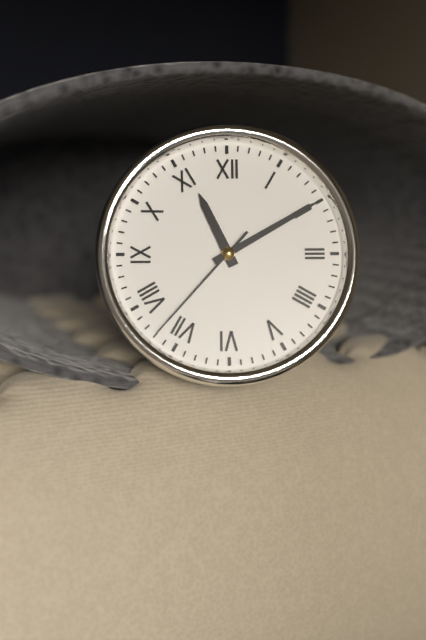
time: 11:10:37
